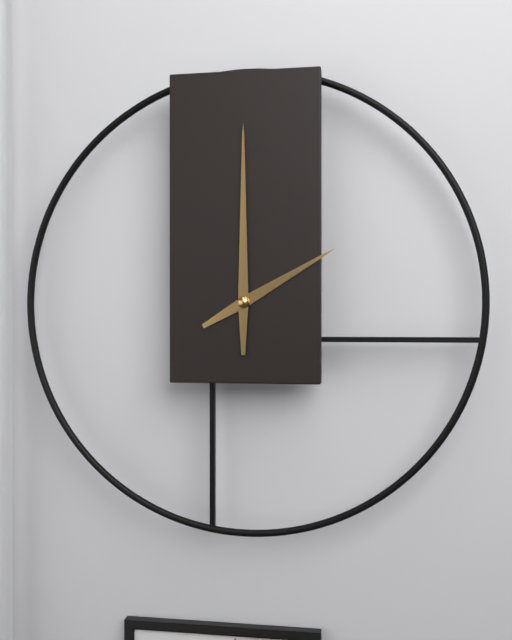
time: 2:00
